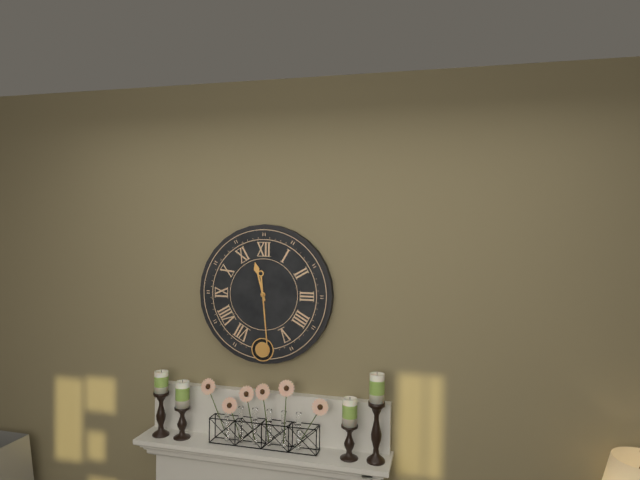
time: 11:29
